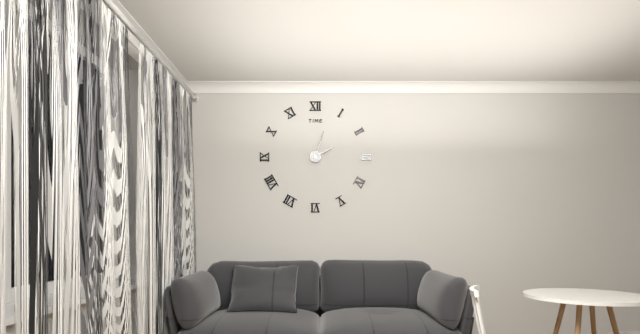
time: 2:03
